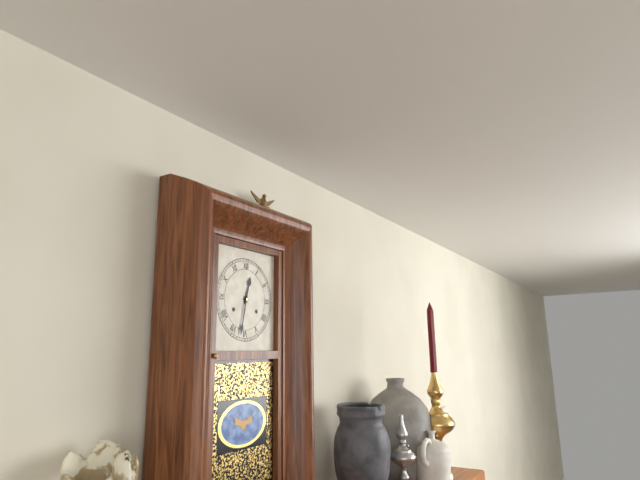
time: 12:32
